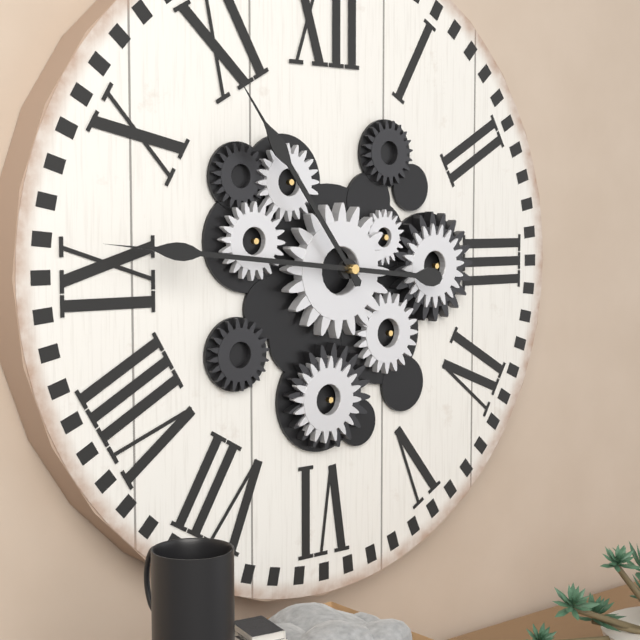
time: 10:46
